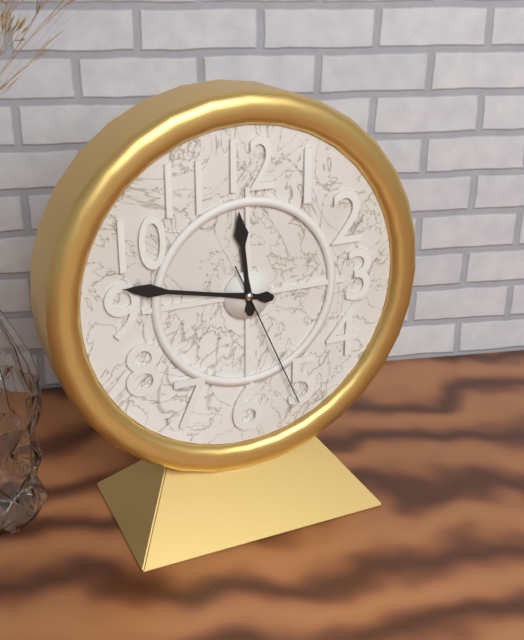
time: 11:47:26
